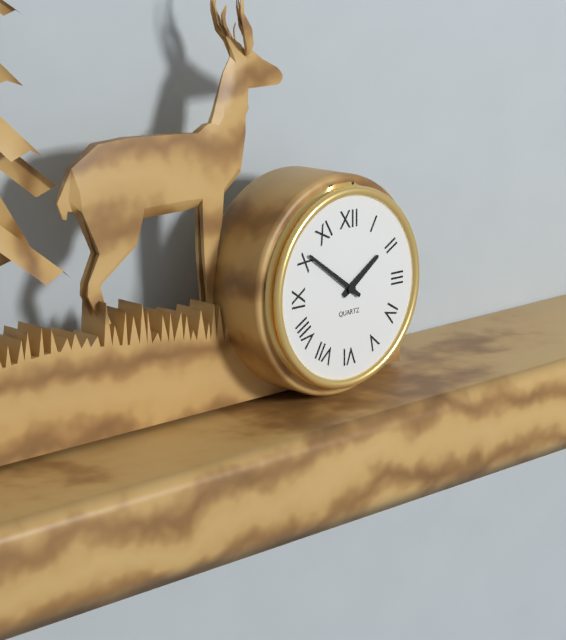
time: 1:51
